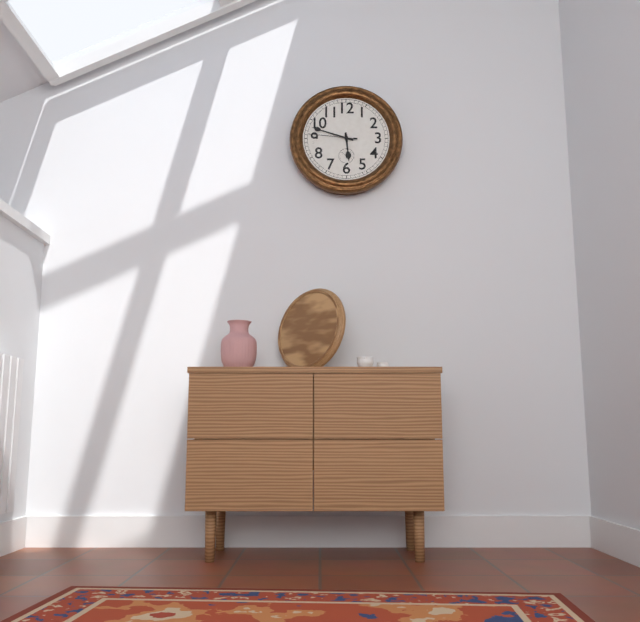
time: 5:48
